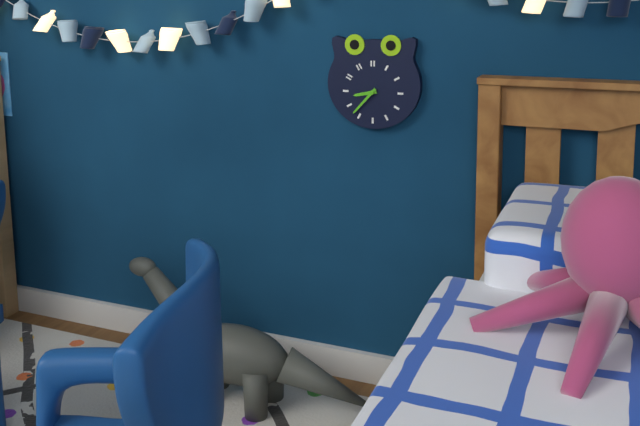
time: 8:37
